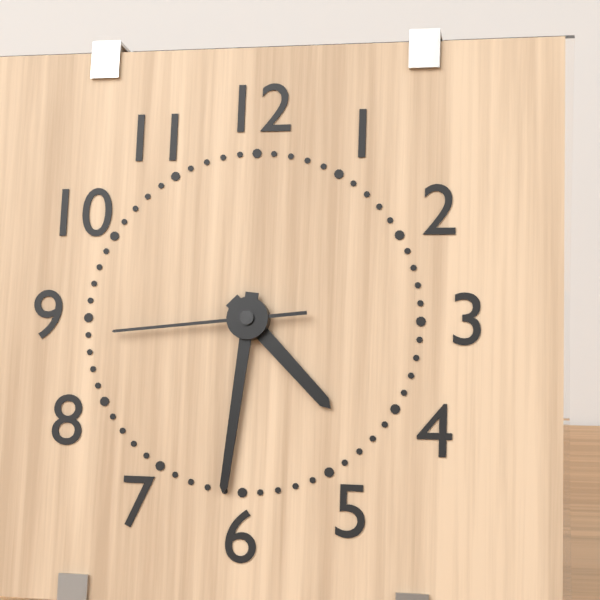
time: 4:31:44
